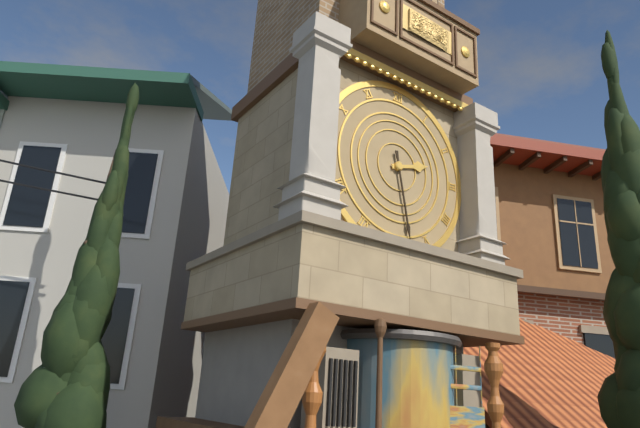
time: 2:28
